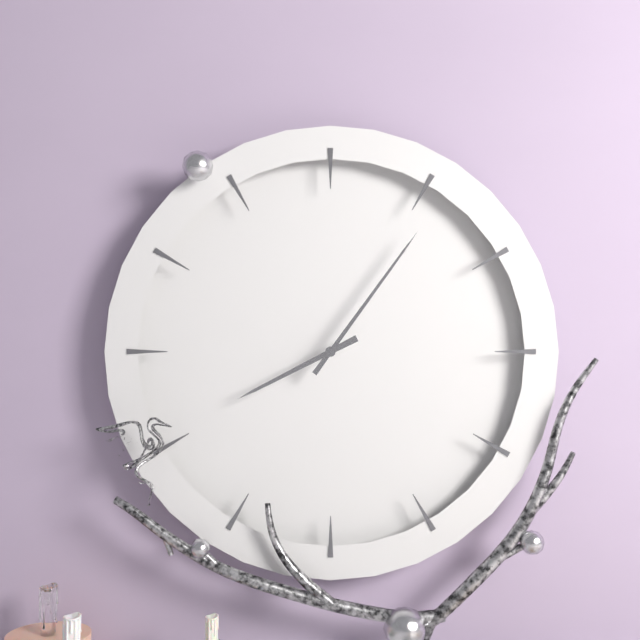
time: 8:06
